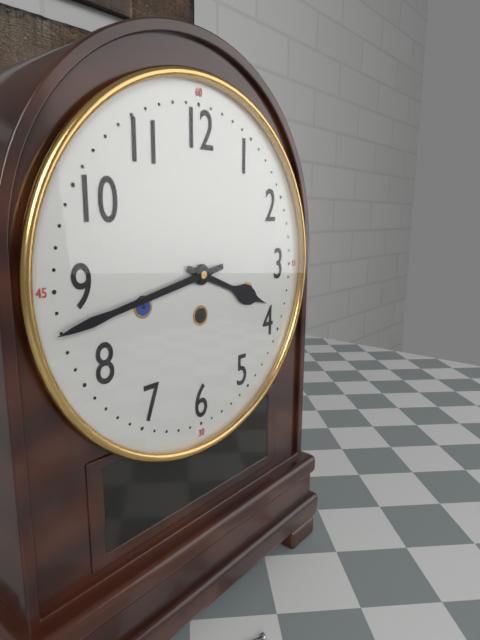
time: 3:43
